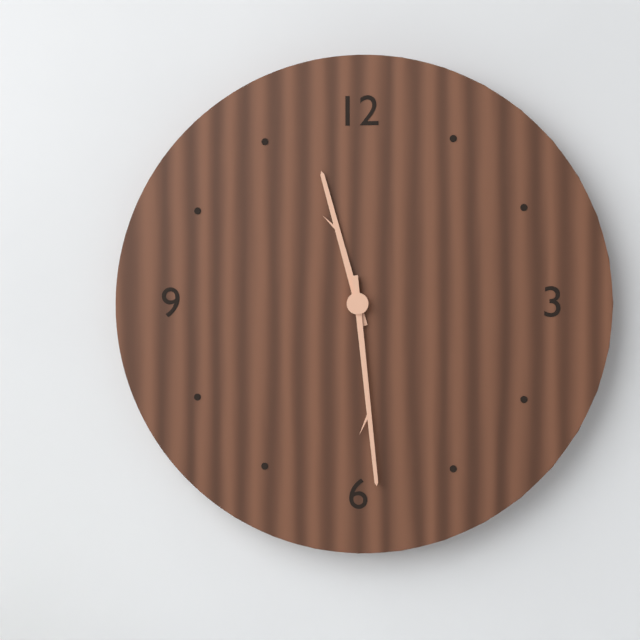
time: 11:29
